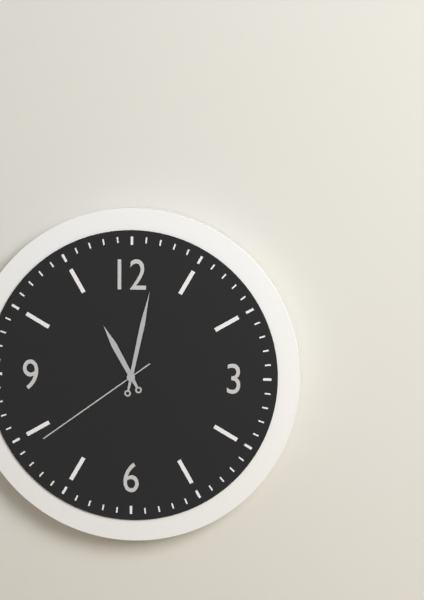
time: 11:02:39
